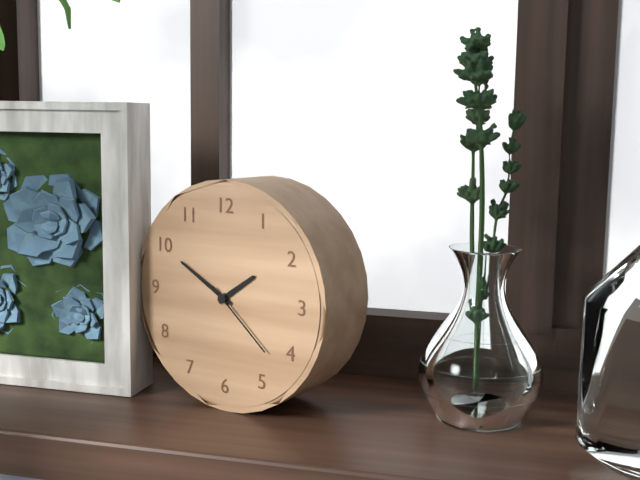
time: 1:50:22
